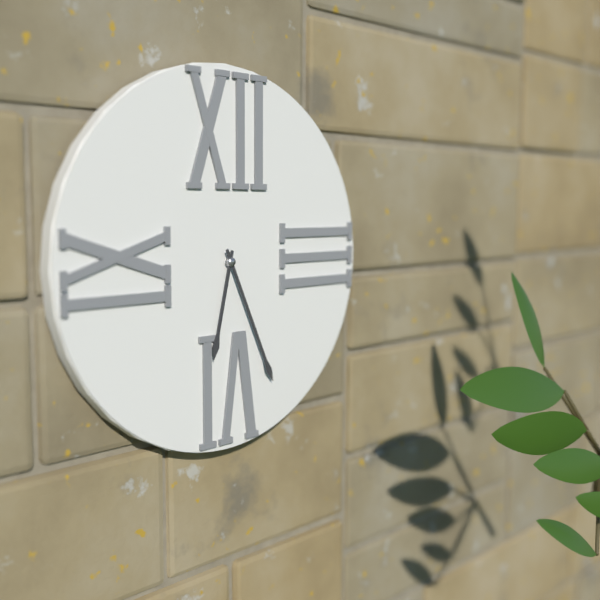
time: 6:26
